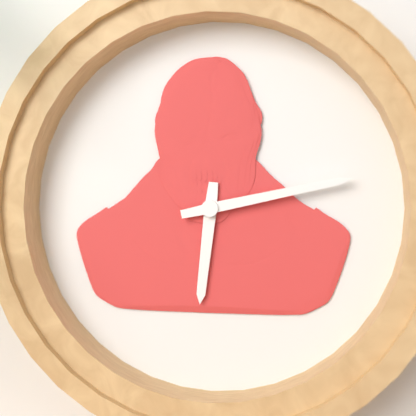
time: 6:13
